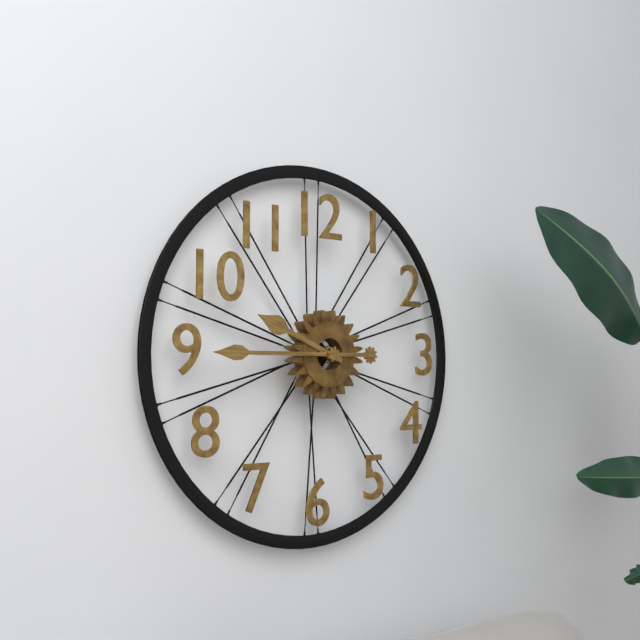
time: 9:45
